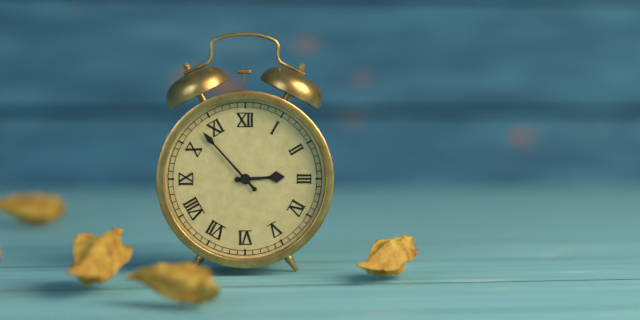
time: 2:53
